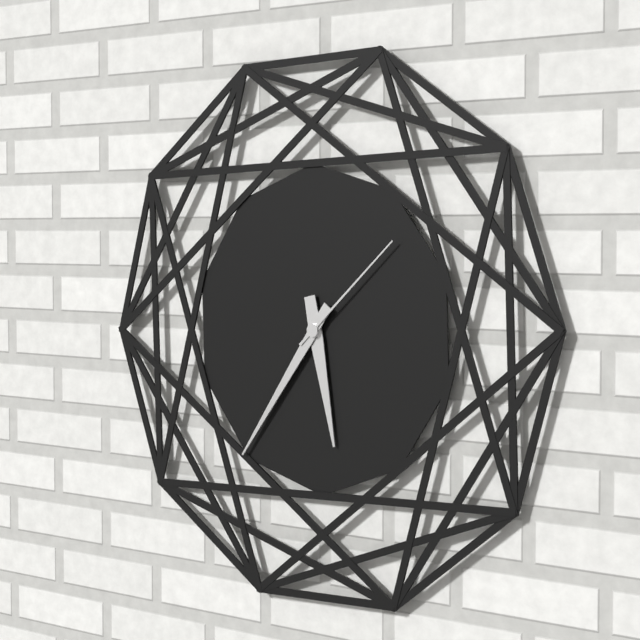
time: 5:36:08
